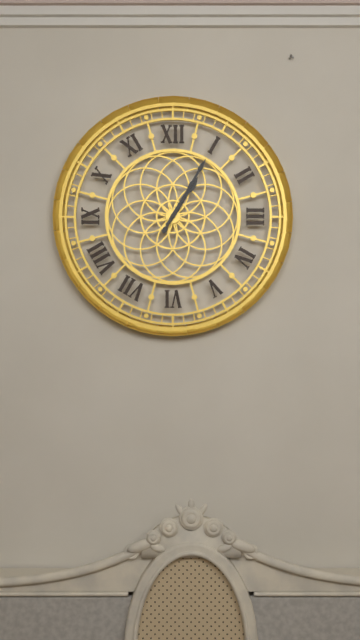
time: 1:05
